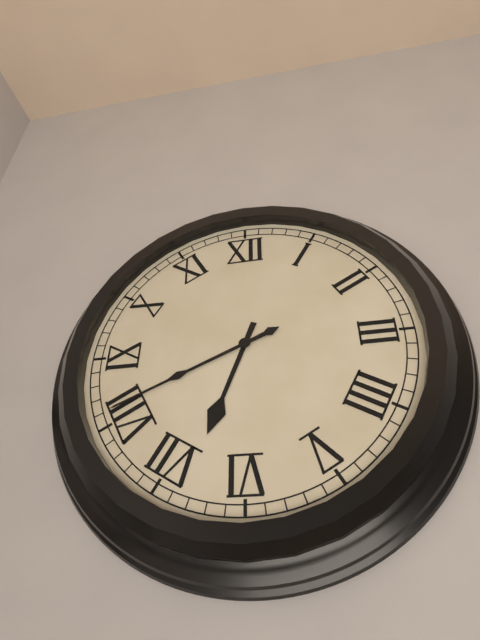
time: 6:41
